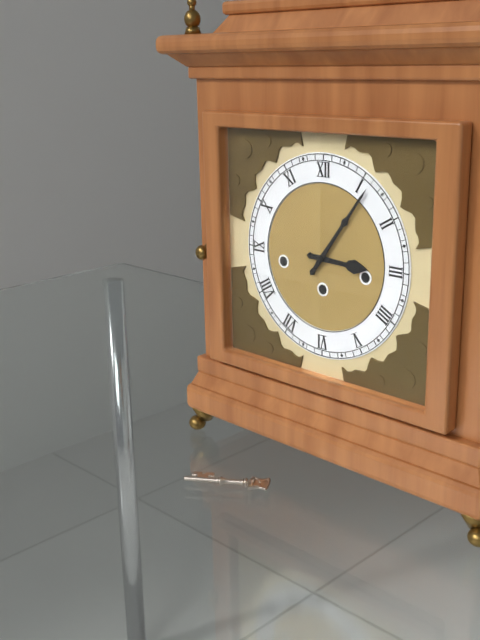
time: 3:06
